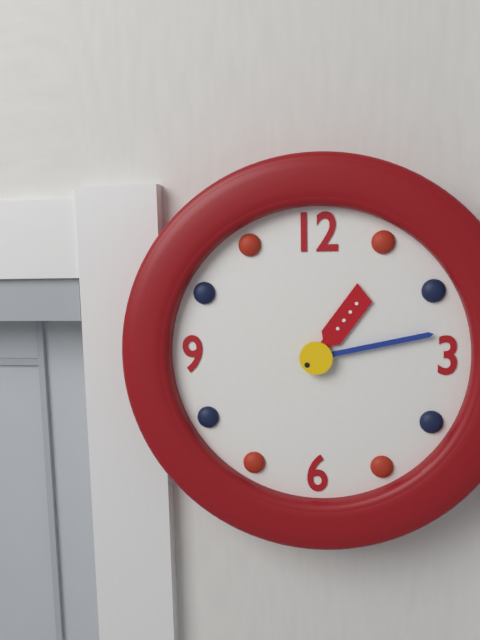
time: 1:13
